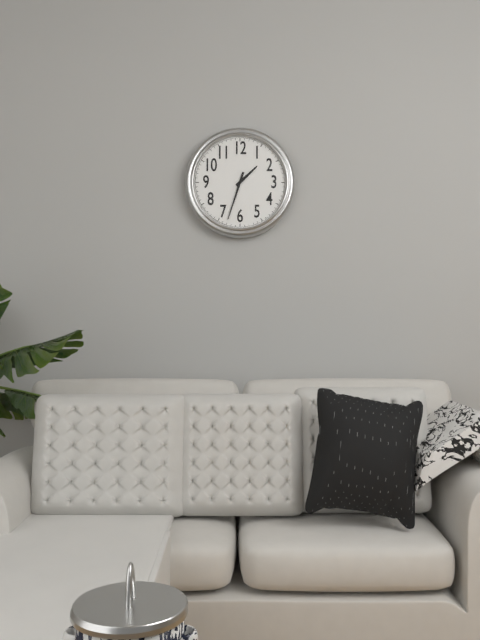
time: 1:33
